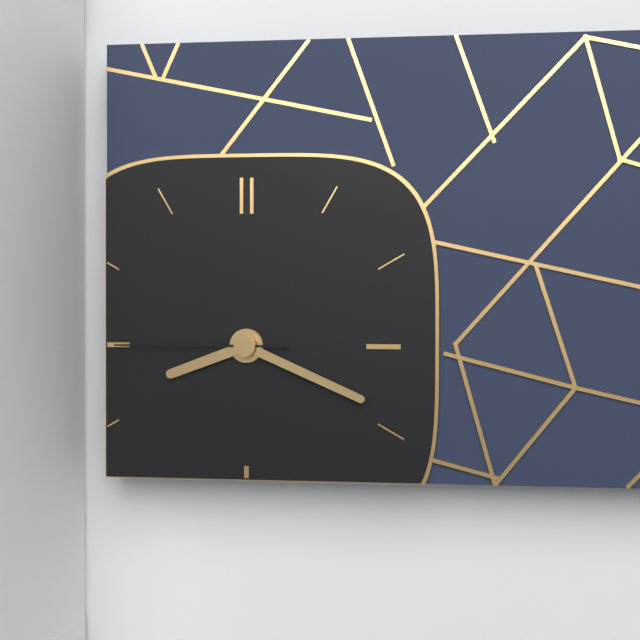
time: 8:19:45
